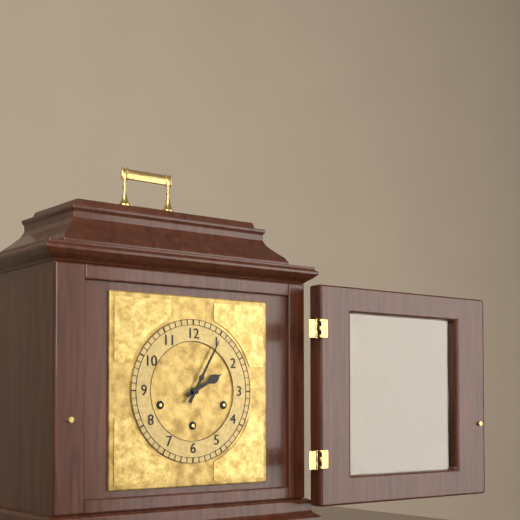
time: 2:05
